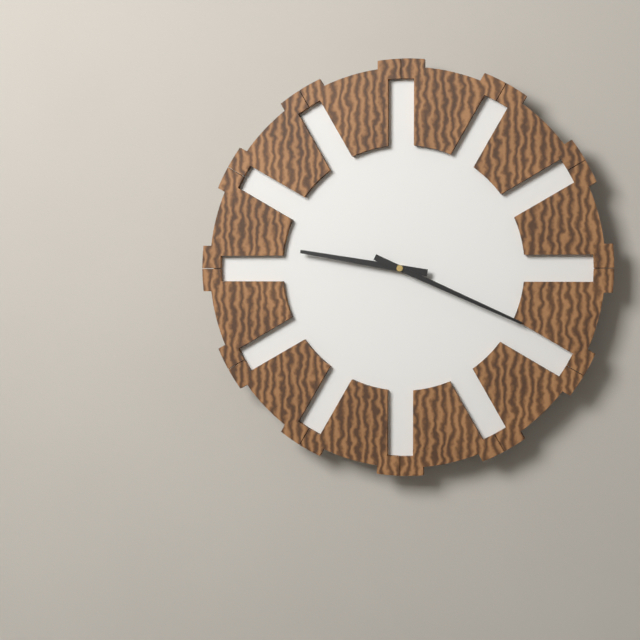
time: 9:19
